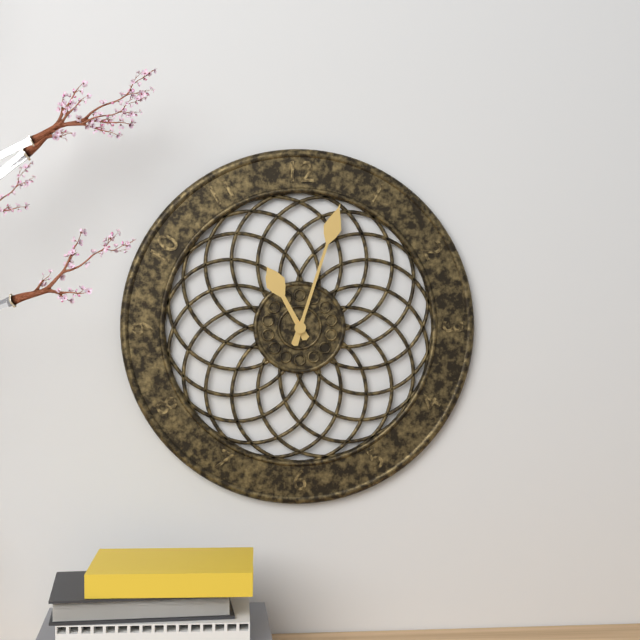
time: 11:03
